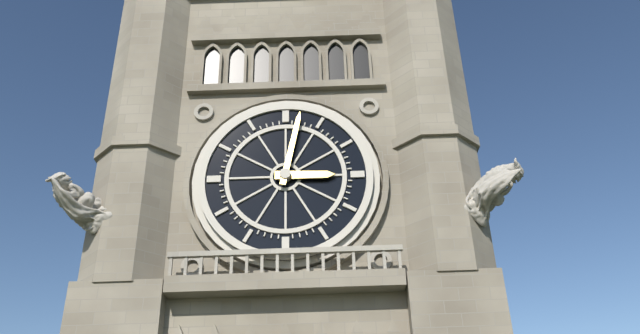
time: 3:02
